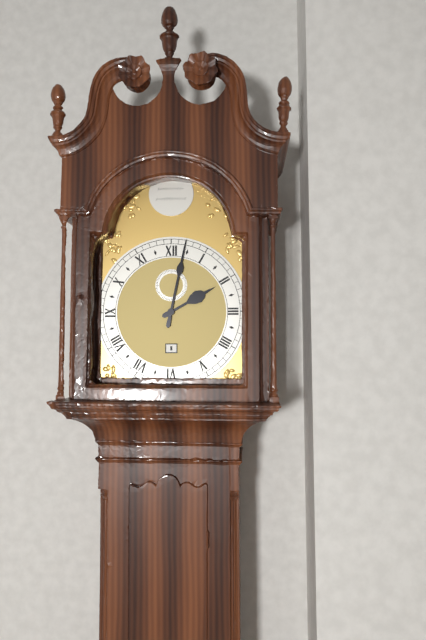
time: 2:02
